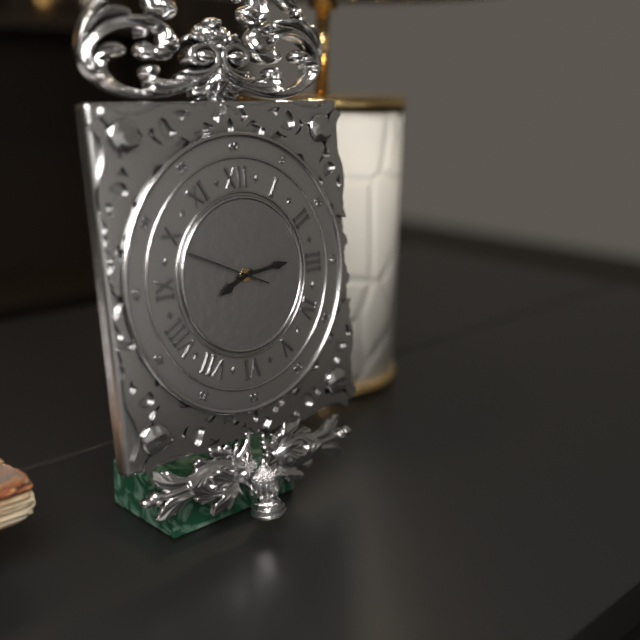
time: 8:14:49
